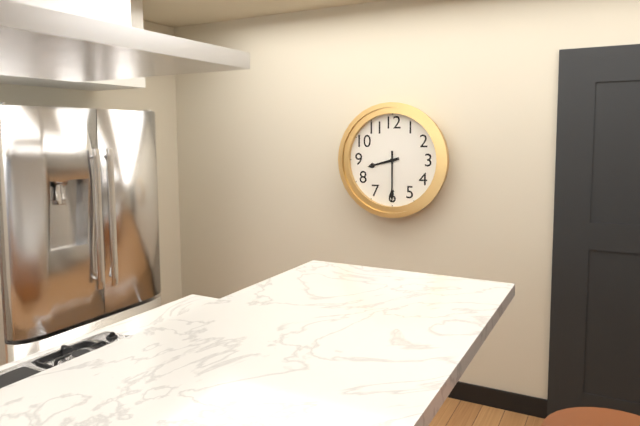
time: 8:30
